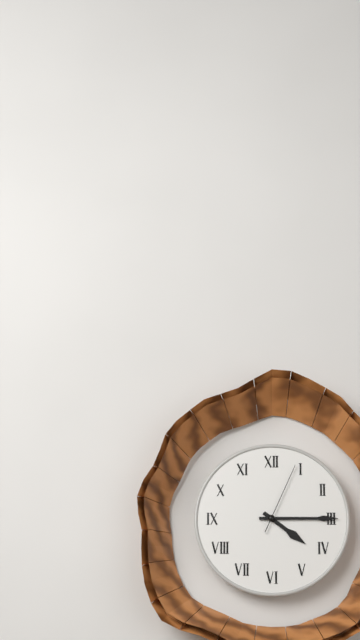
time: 4:15:04
